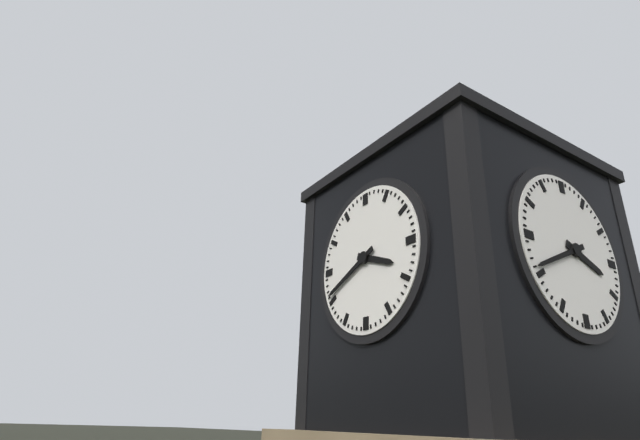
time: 3:41
